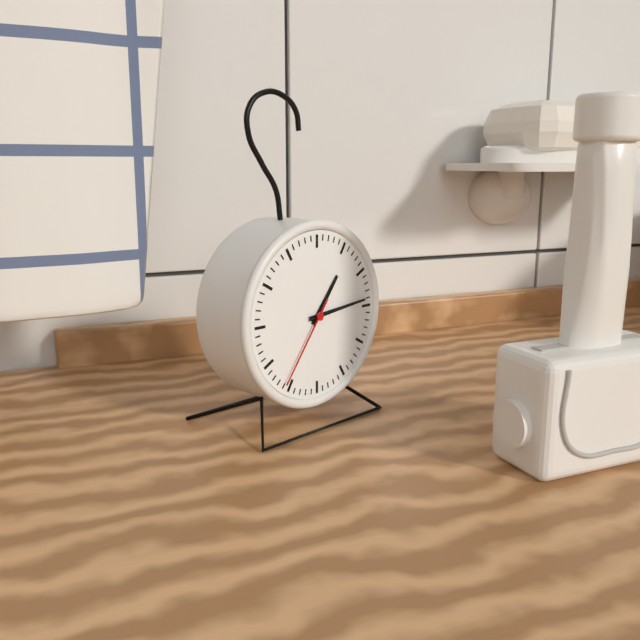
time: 1:14:36
